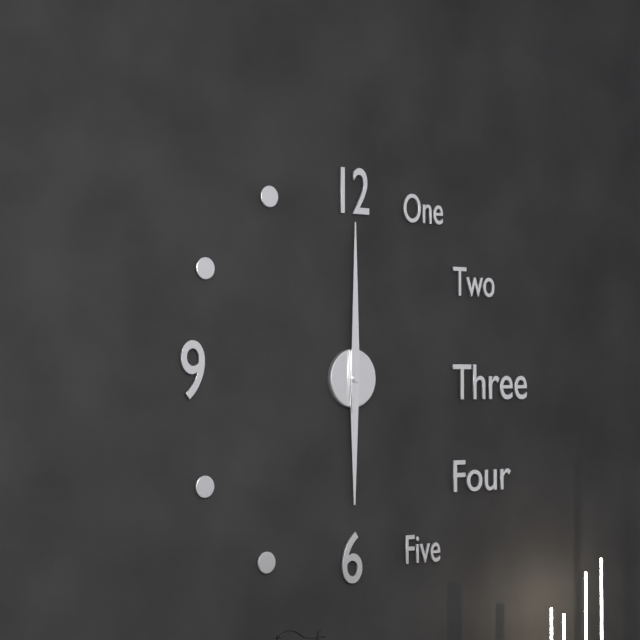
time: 6:00
